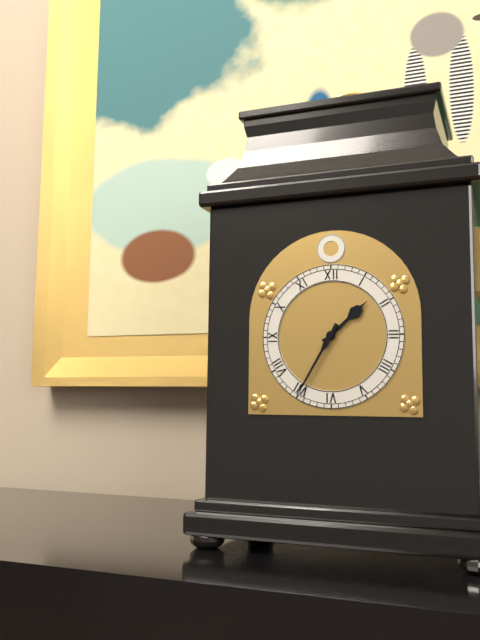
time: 1:35
